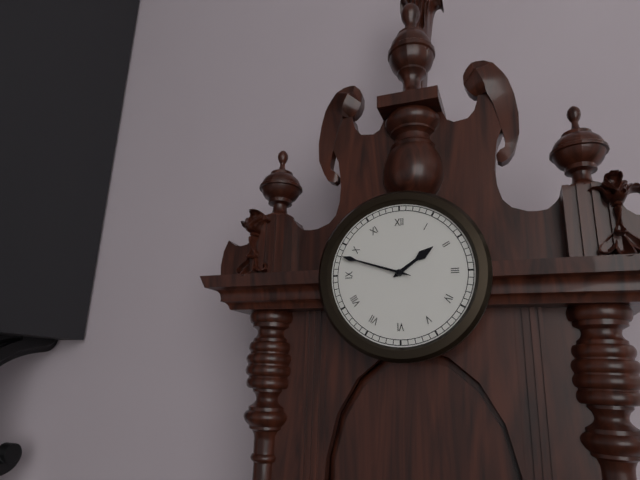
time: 1:48
